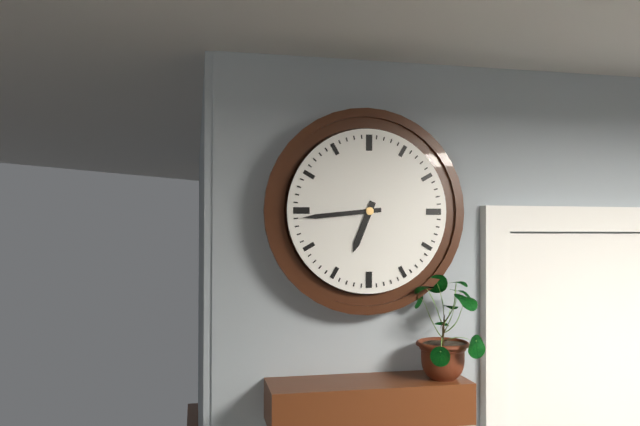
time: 6:44
